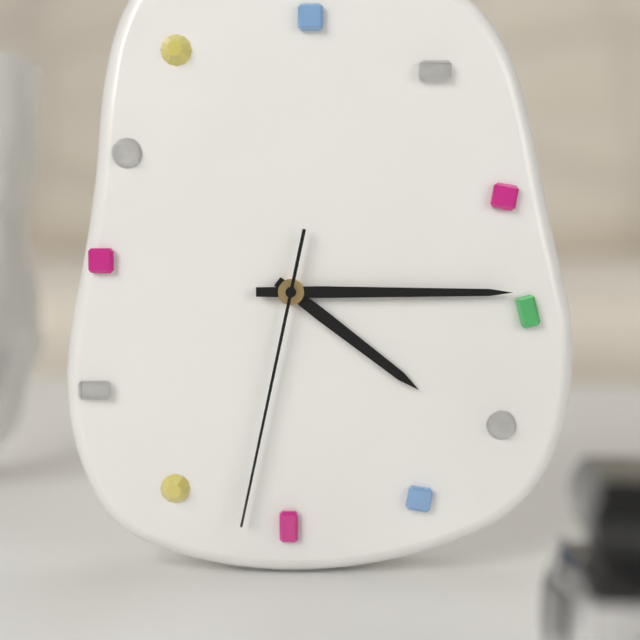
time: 4:15:32
